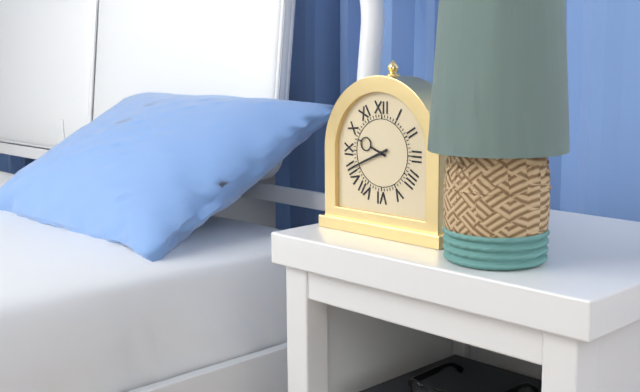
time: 9:41
